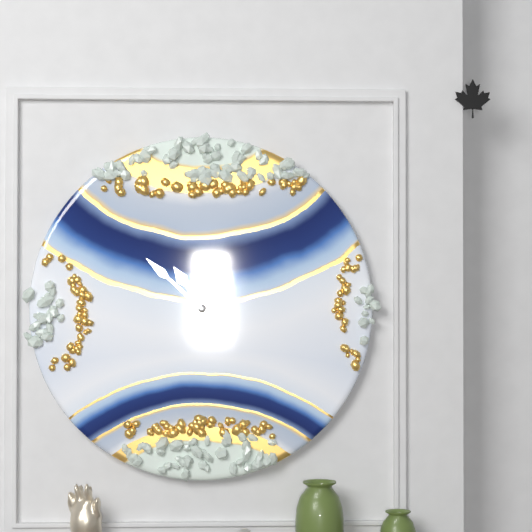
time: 10:52
